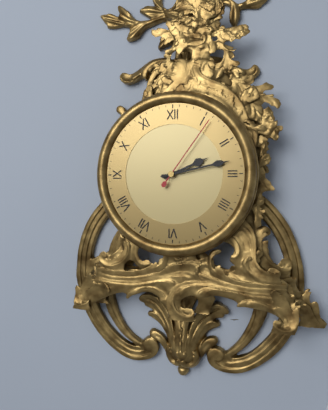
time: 2:13:06
